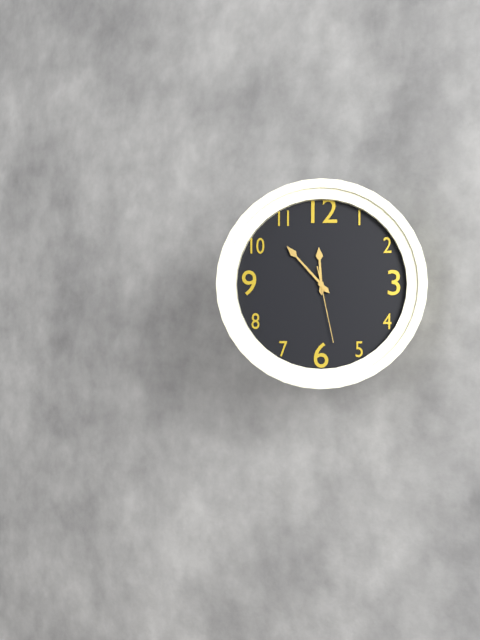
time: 11:53:28
